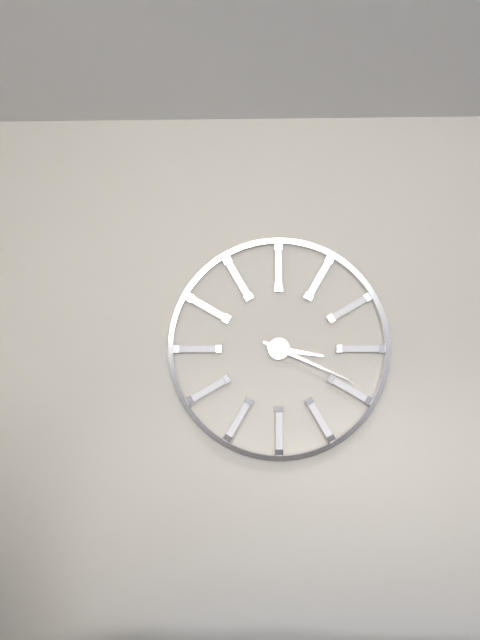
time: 3:19
